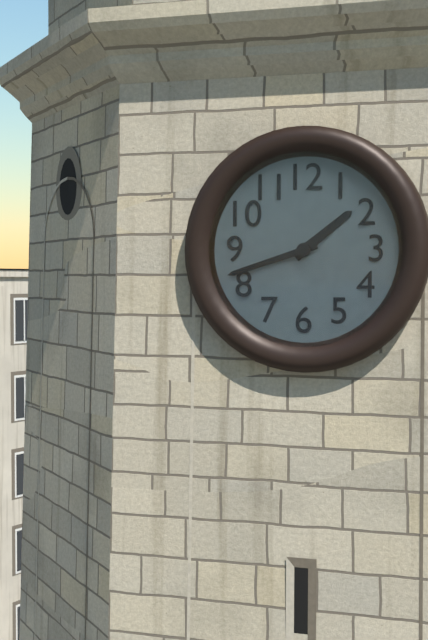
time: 1:42
